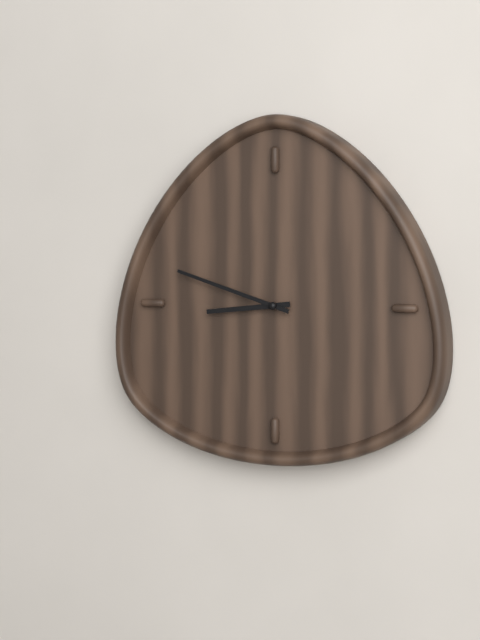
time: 8:48
